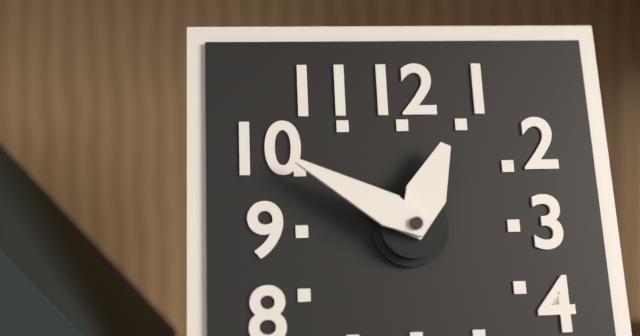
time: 12:50
